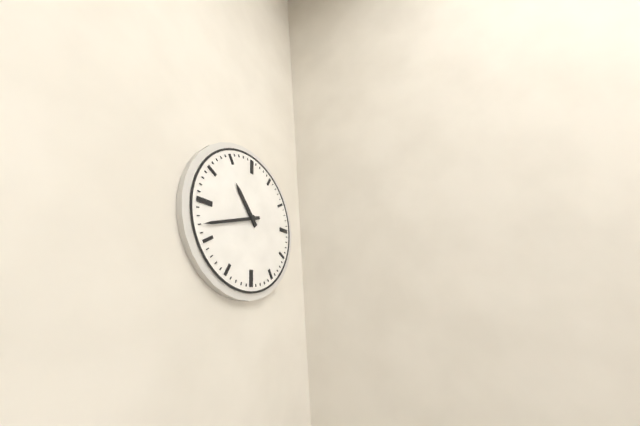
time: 10:42
